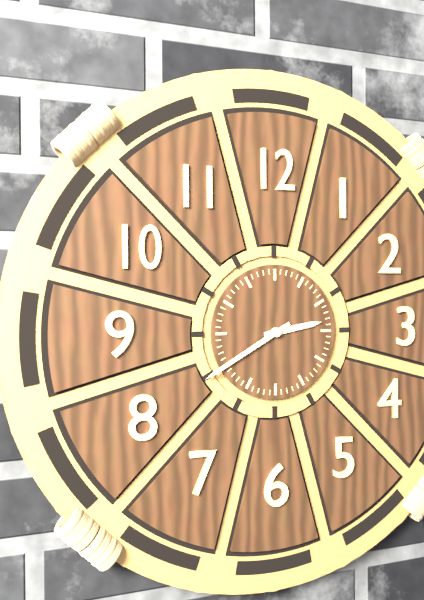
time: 2:40
